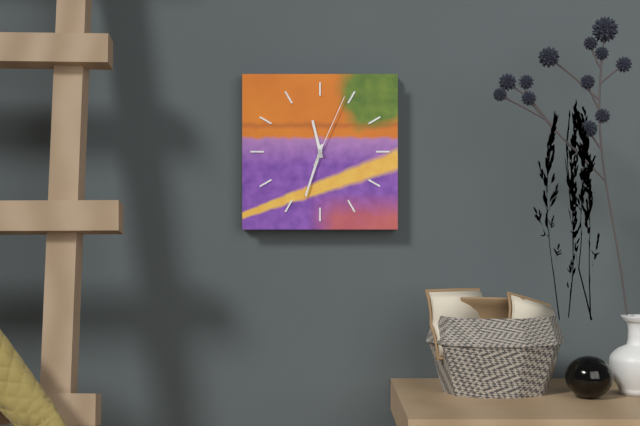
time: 11:33:04
